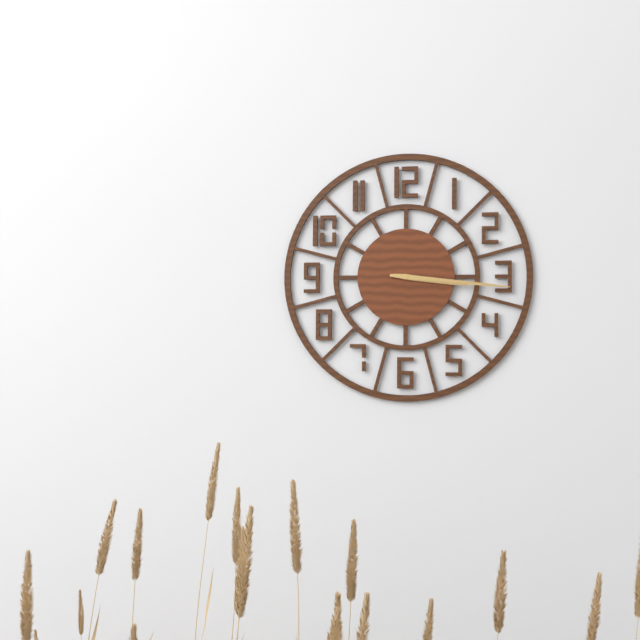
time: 3:16
